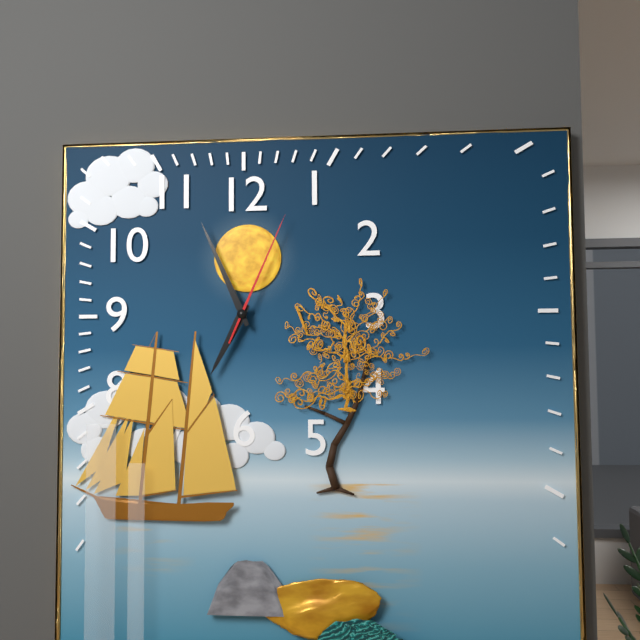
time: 6:56:04
